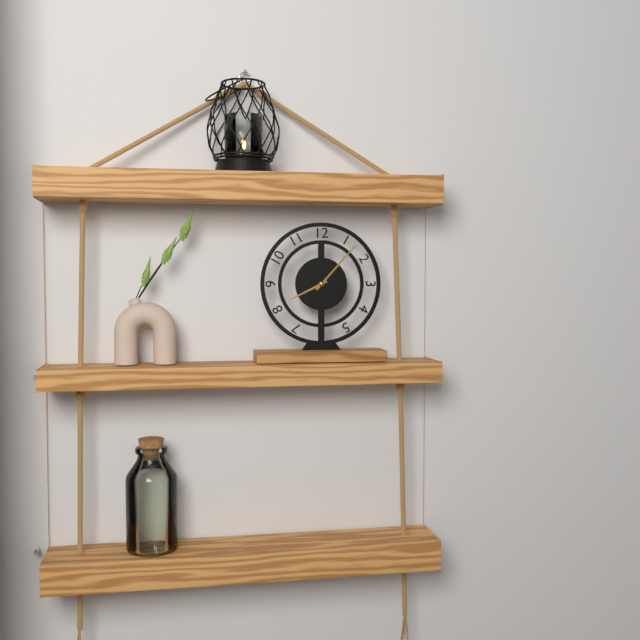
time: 8:07
